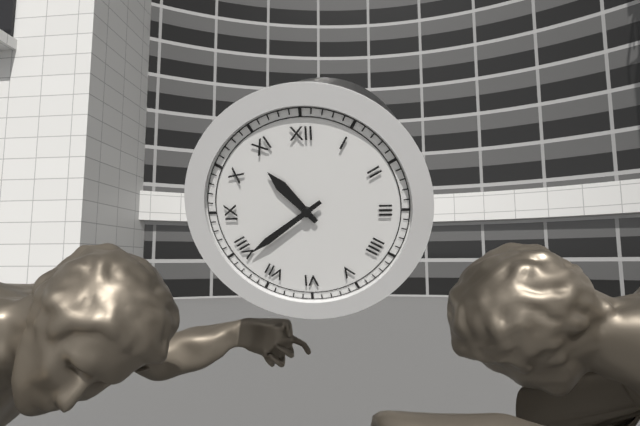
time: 10:39
